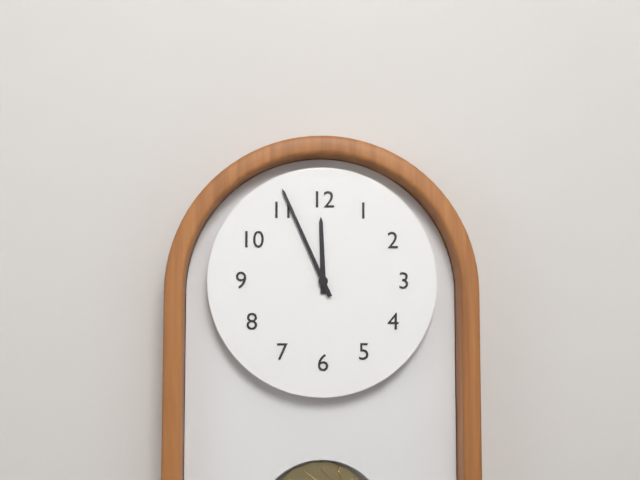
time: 11:56
